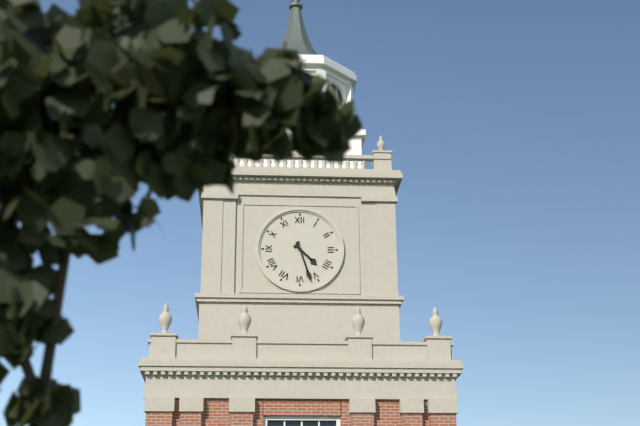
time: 4:27
